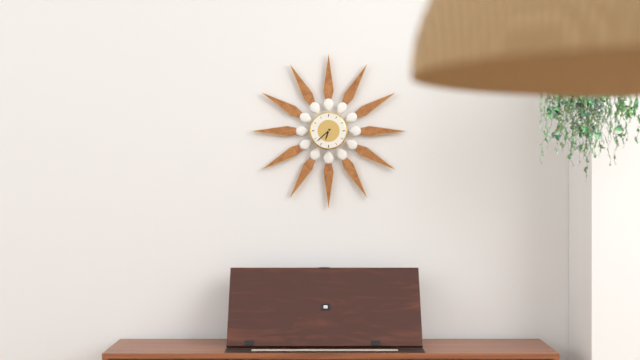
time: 6:38
